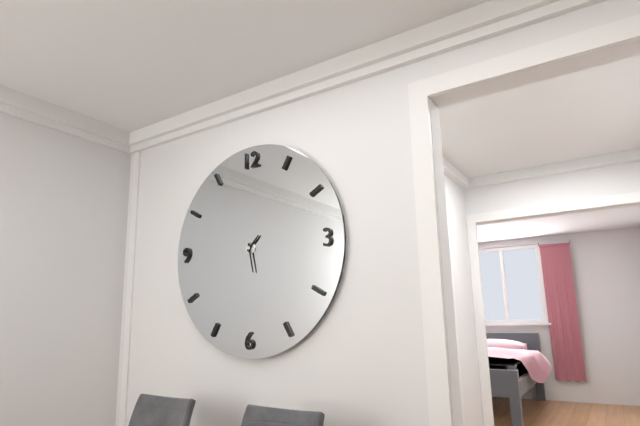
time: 1:28
